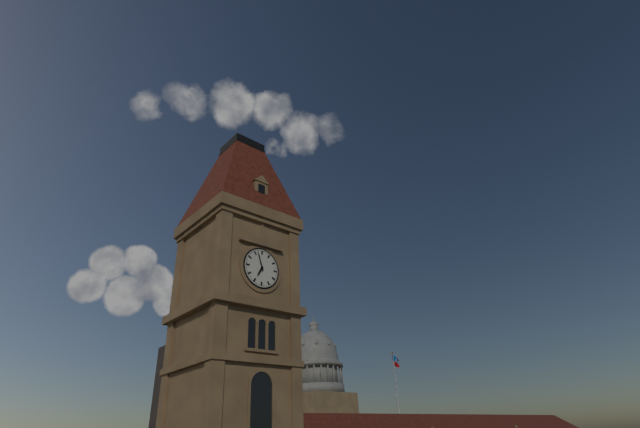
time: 6:57
